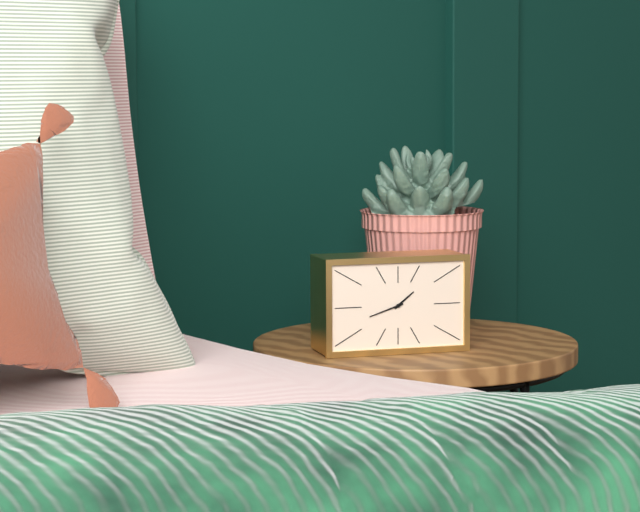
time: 1:42
